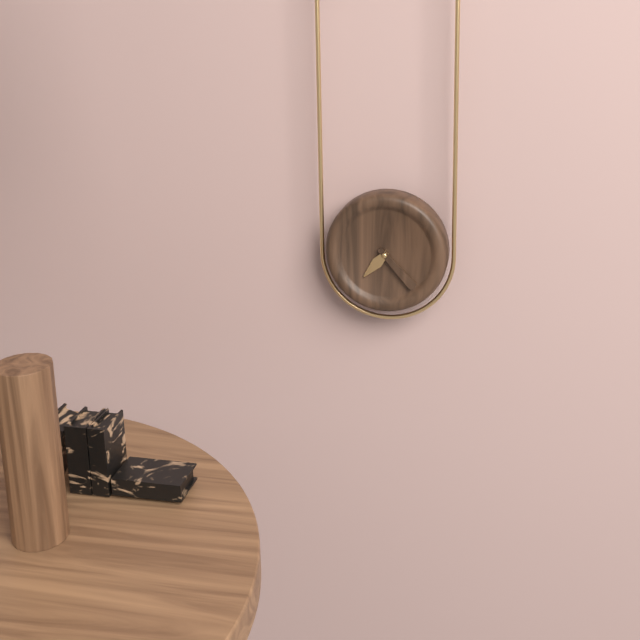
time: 7:23
